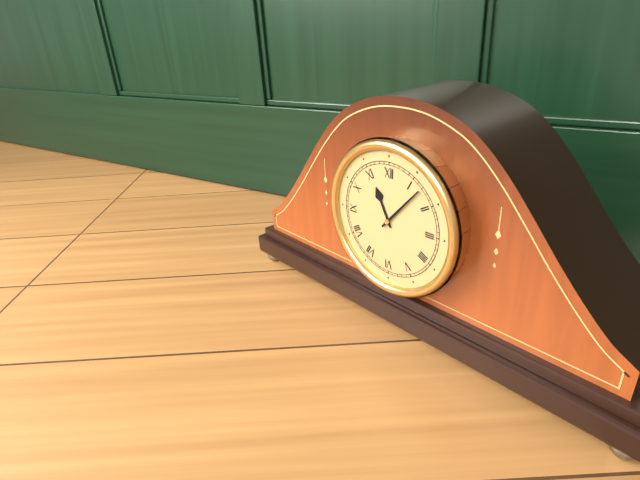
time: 11:07
